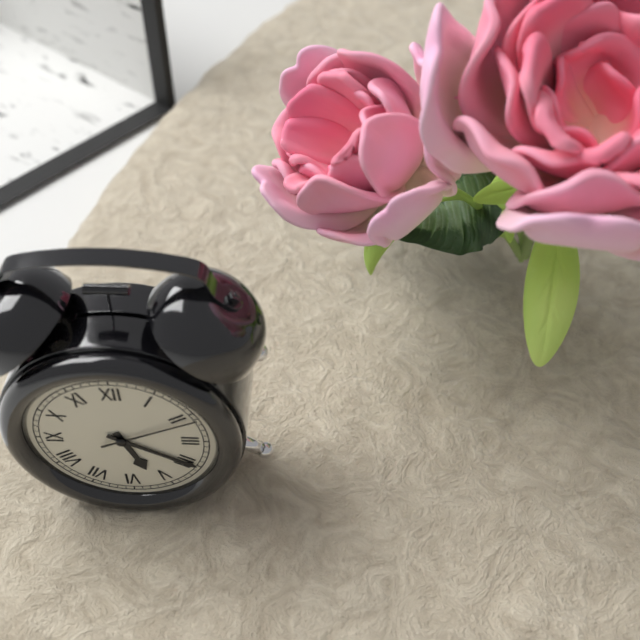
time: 5:20:11
